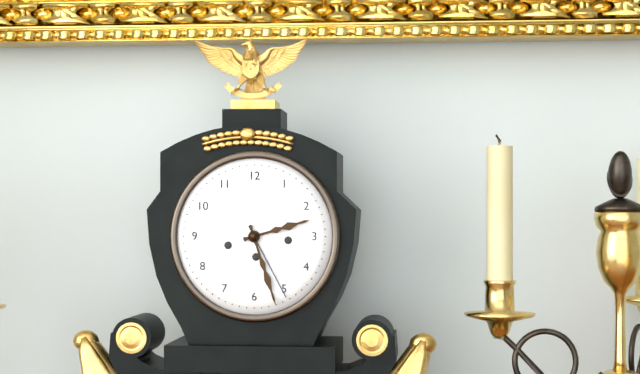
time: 2:27
